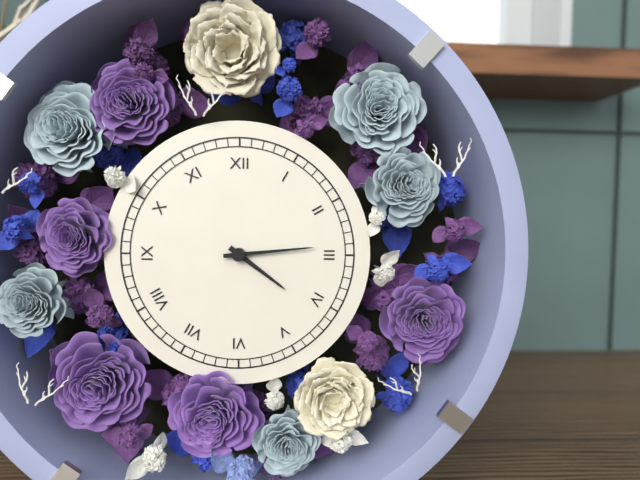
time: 4:14
